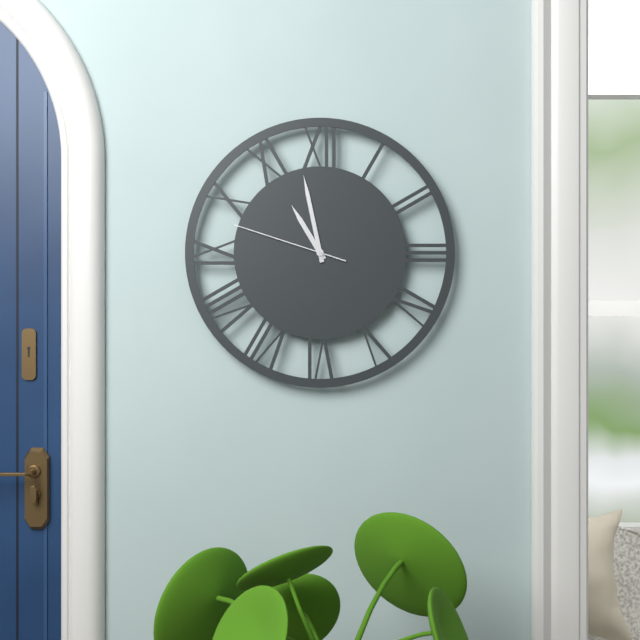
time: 10:58:48
